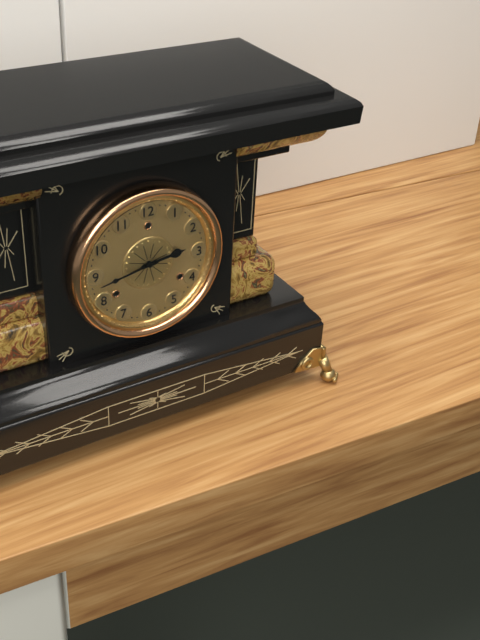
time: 2:43
